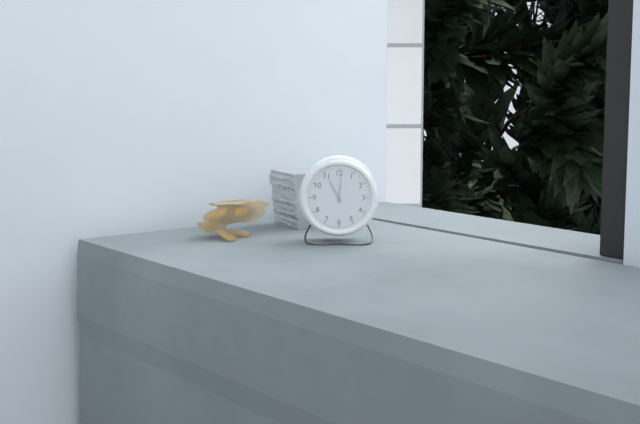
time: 11:01
